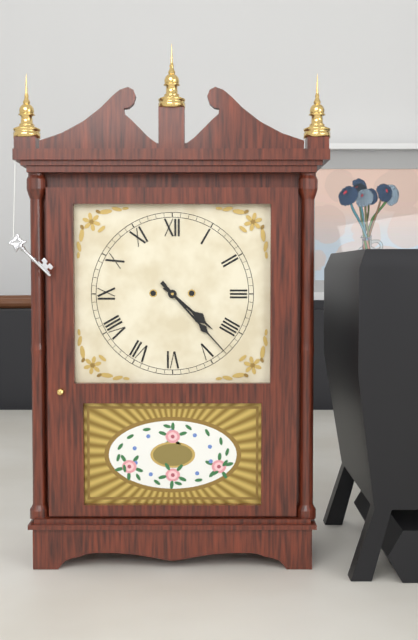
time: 4:23
